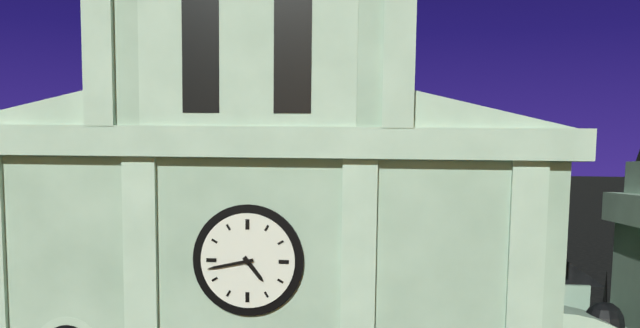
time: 4:43
